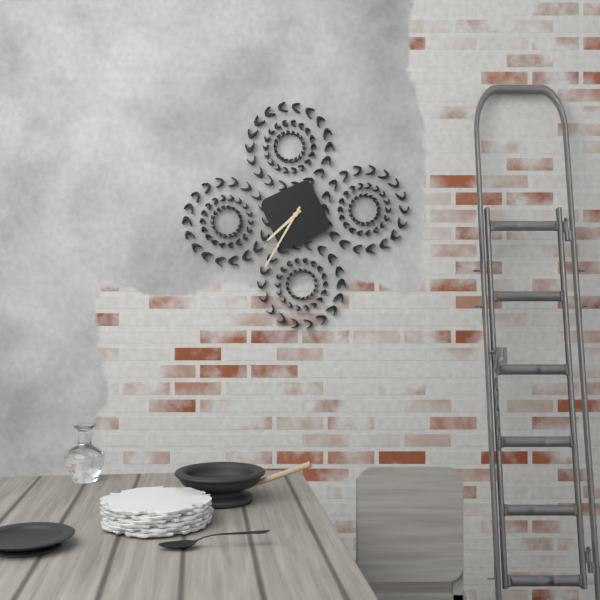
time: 7:35
